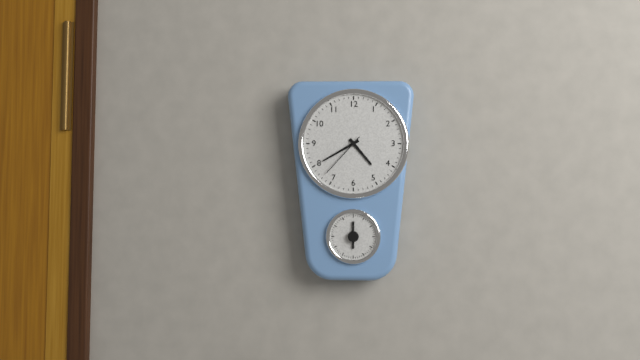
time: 4:40:37
